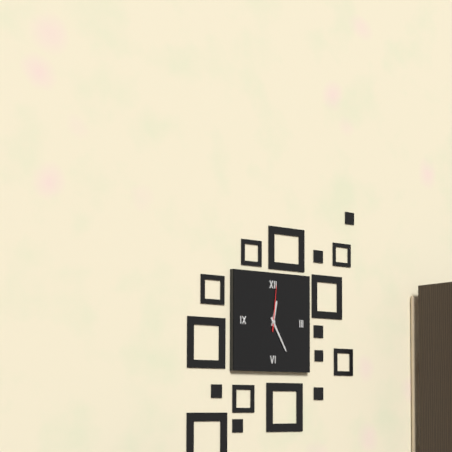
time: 12:25
